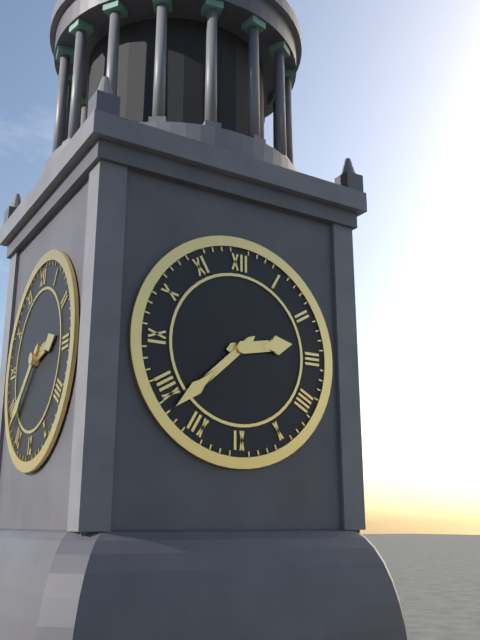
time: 2:38
